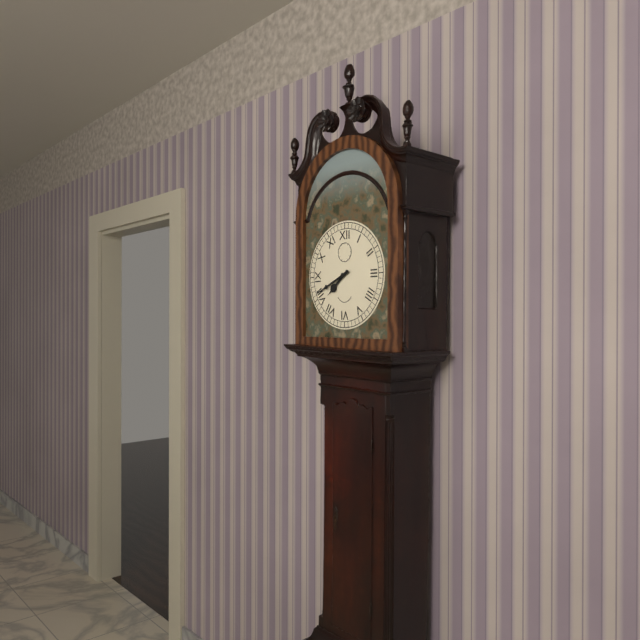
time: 7:41
